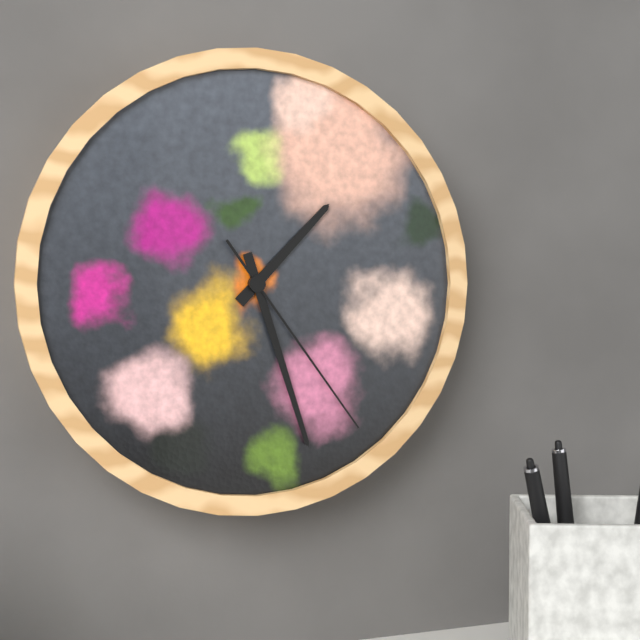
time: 1:27:24
